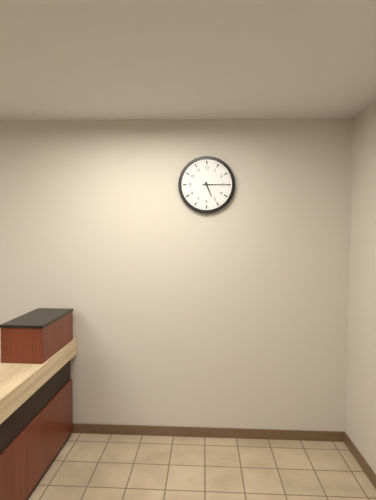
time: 5:15
